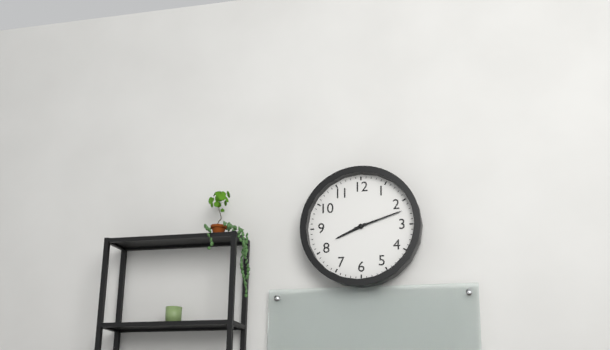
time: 8:12
